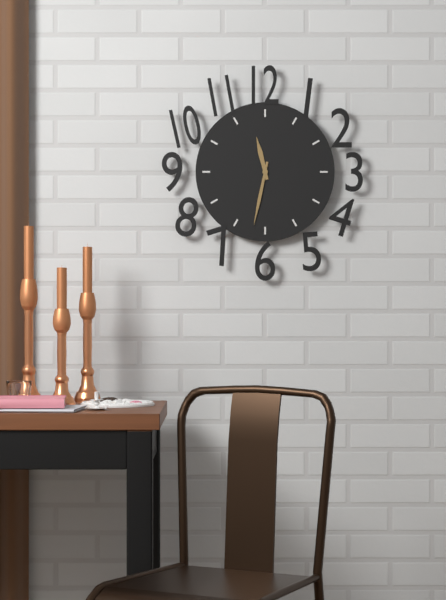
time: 11:32
